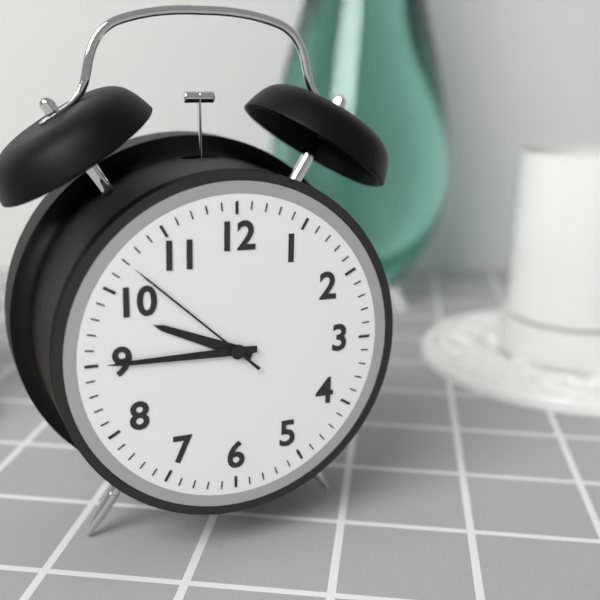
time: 9:45:52
